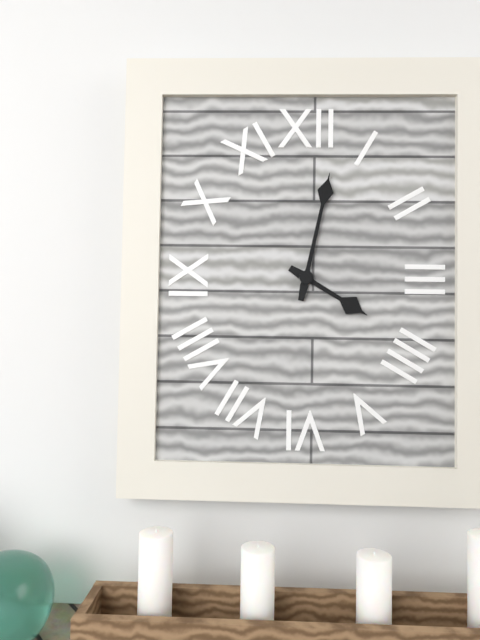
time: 4:02
